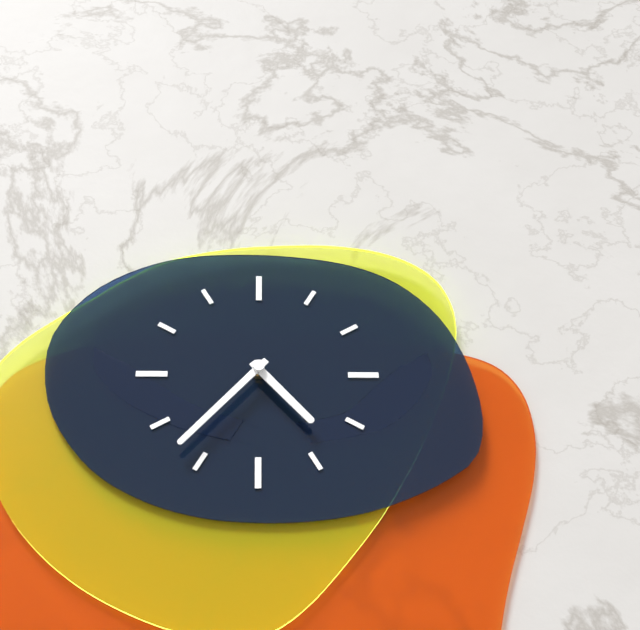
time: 4:37
